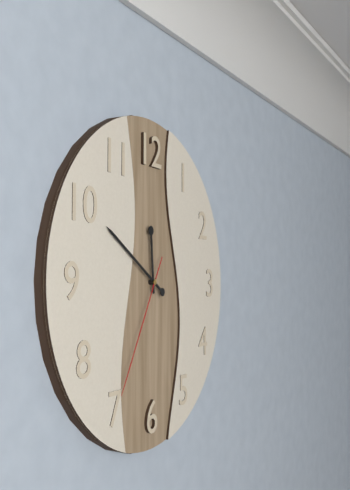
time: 11:50:35
